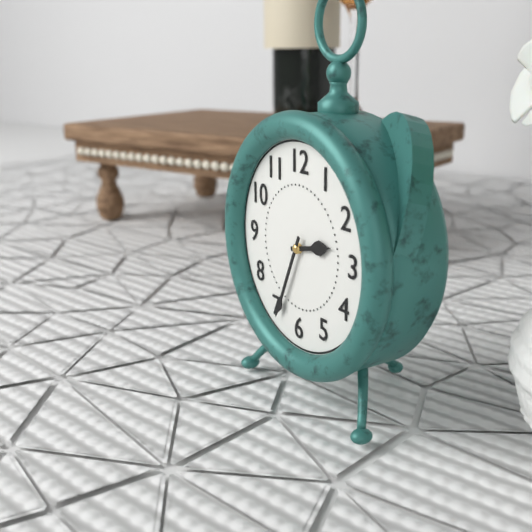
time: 2:34
